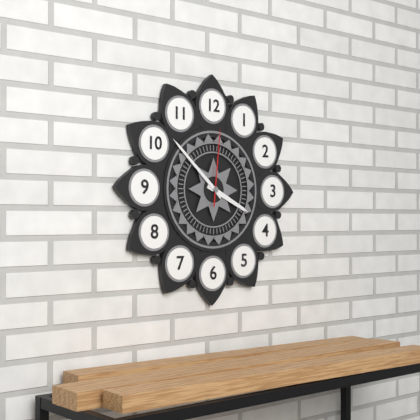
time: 3:52:01
